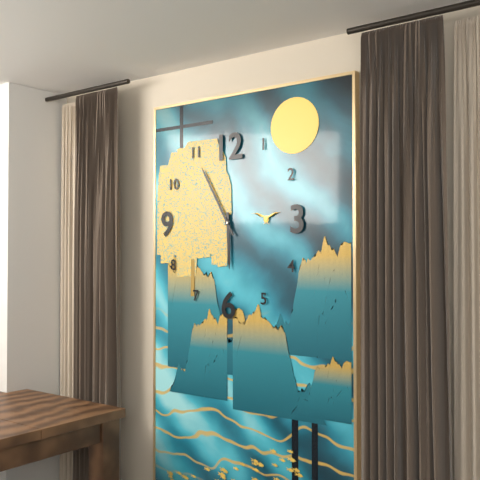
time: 5:55
